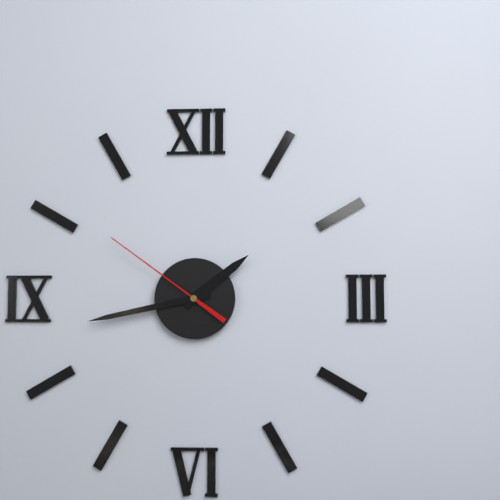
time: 1:43:51
